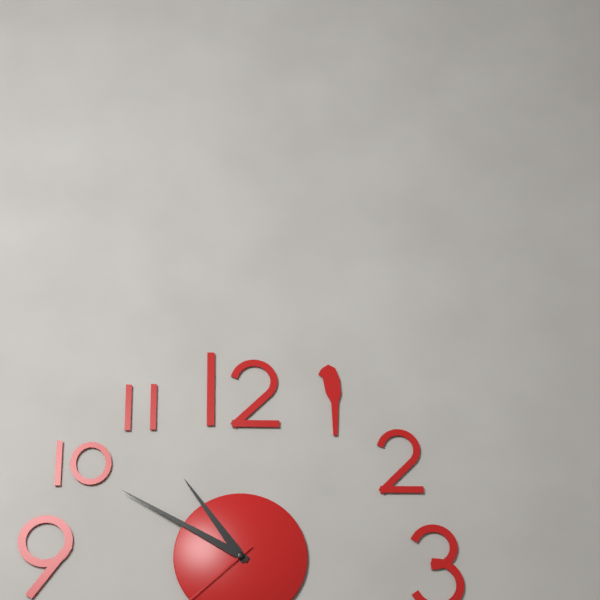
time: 10:50
